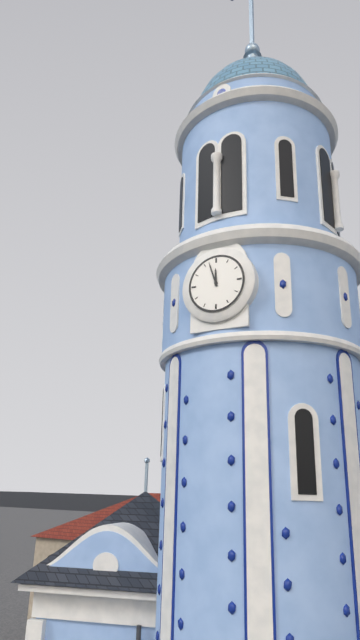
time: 11:57
